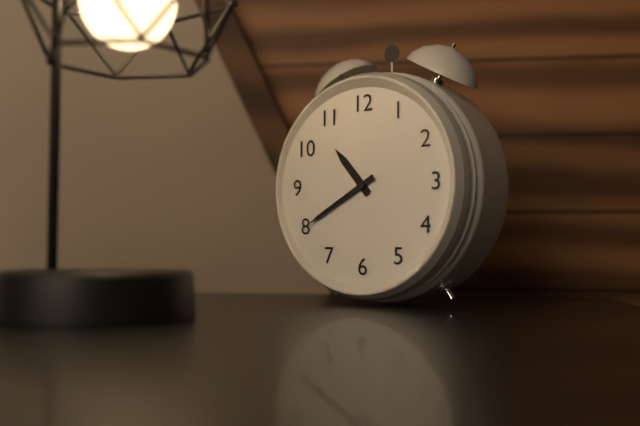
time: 10:40
